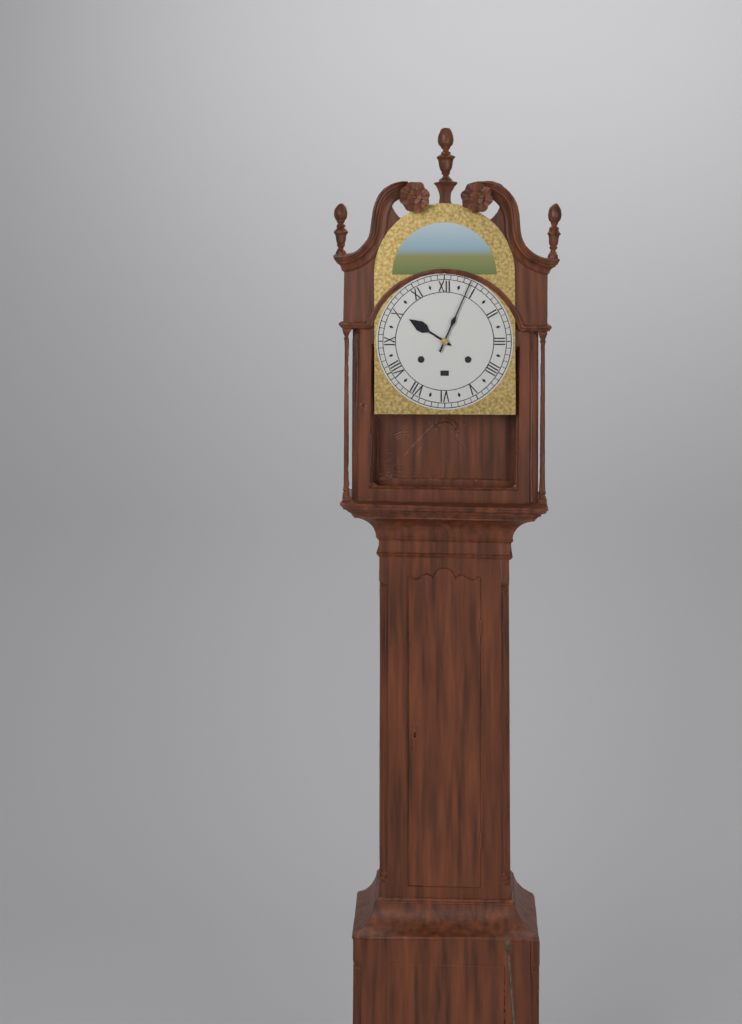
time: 10:04
